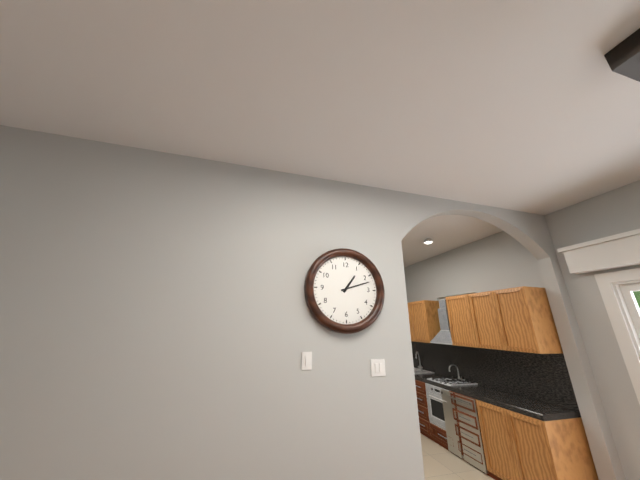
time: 1:12
